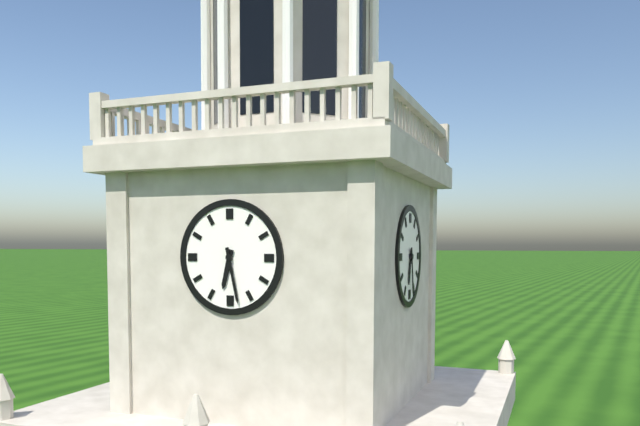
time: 6:28
